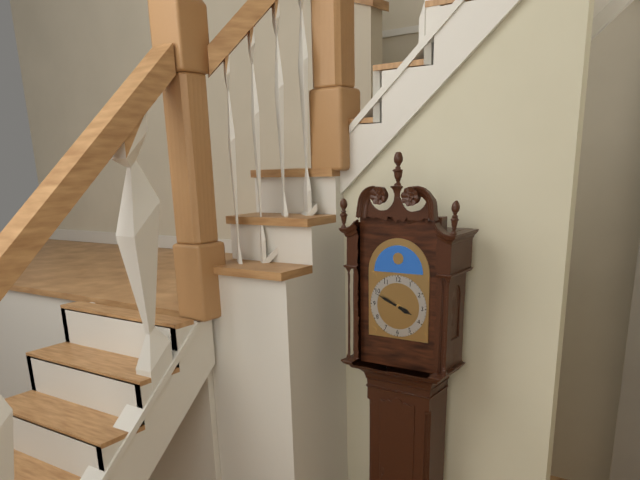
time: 3:49
